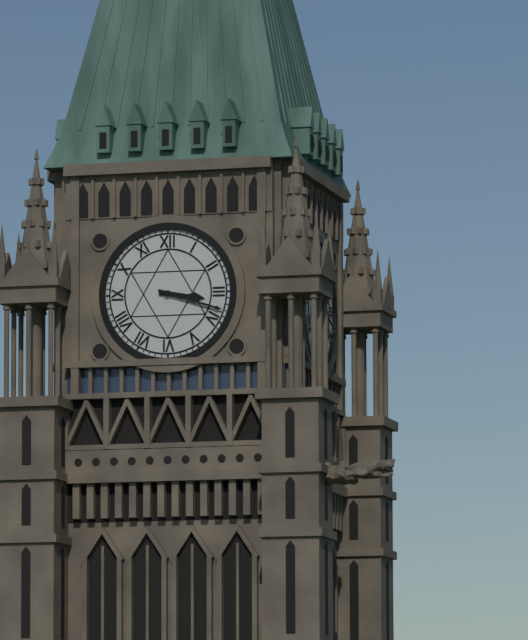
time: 3:18
